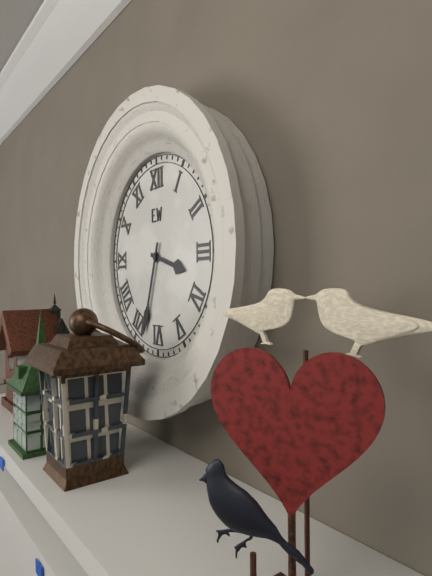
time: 3:33
